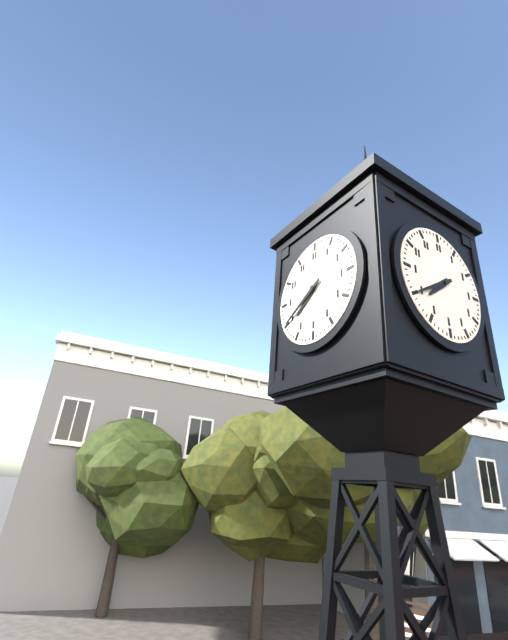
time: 7:40
